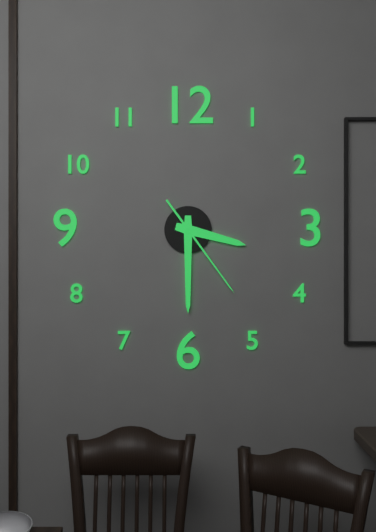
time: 3:30:24
